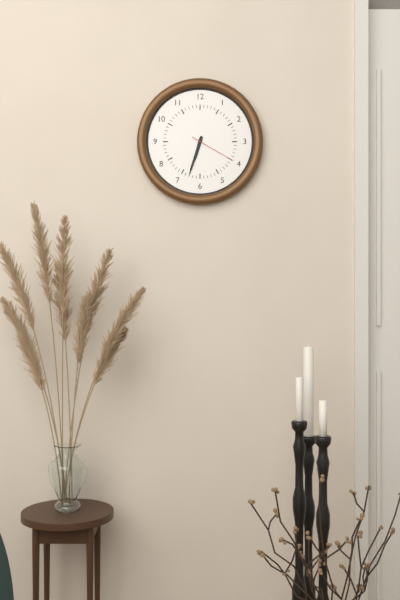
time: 6:33
